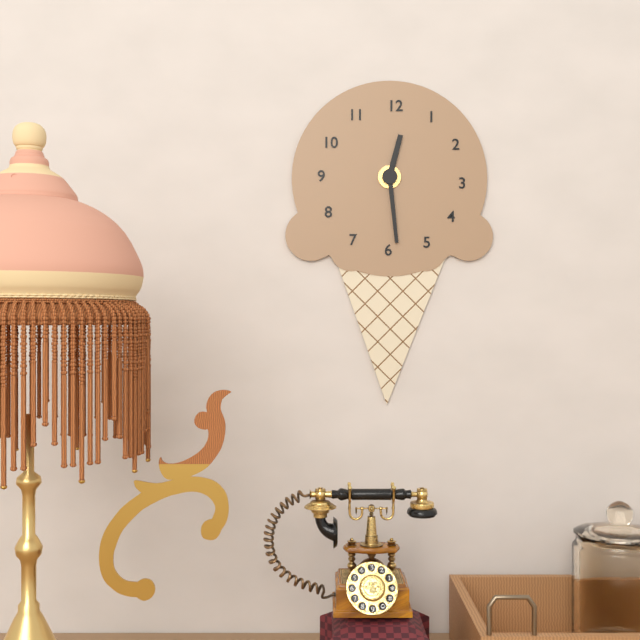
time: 12:29
